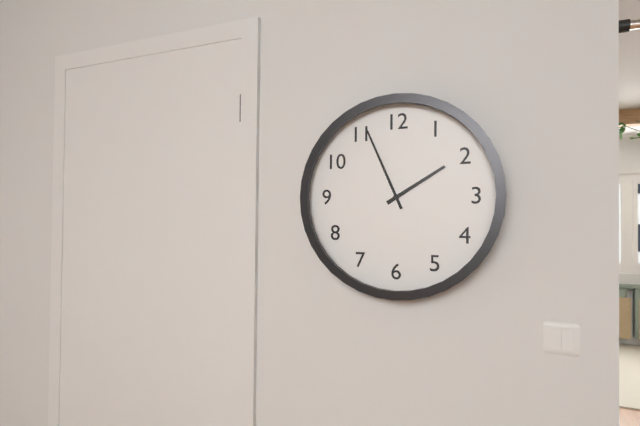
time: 1:56
